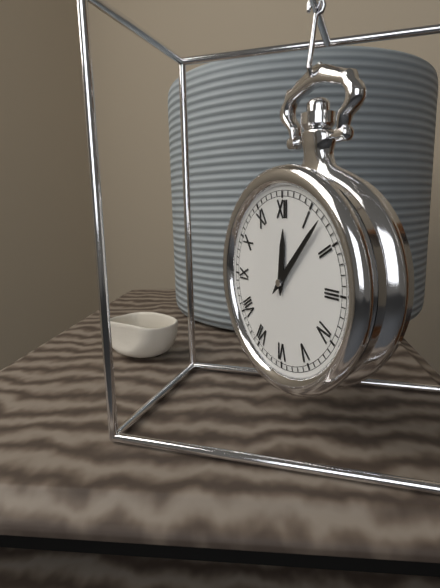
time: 12:07
